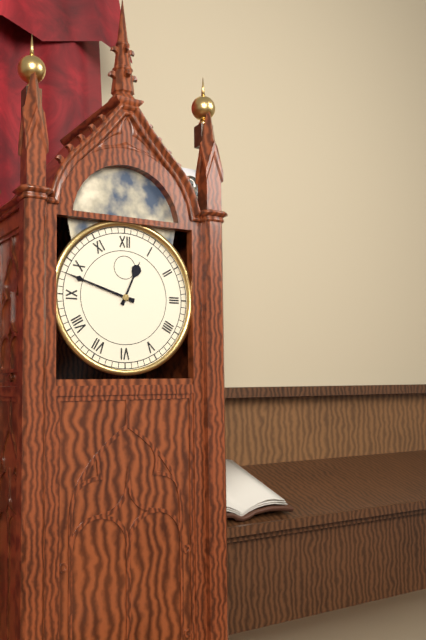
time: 12:48
